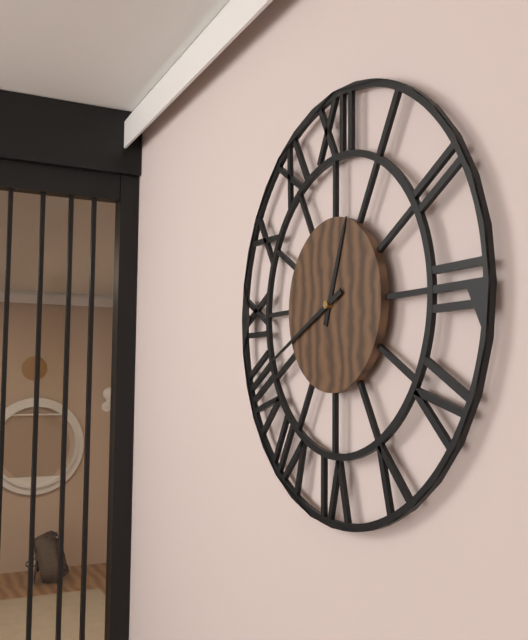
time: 12:41
